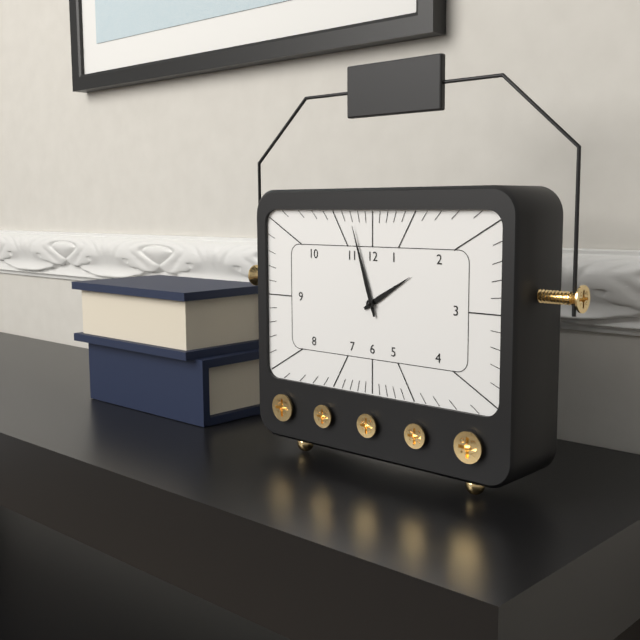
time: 1:57
